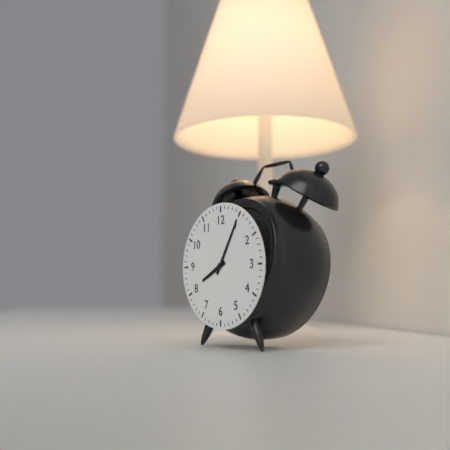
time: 8:05
